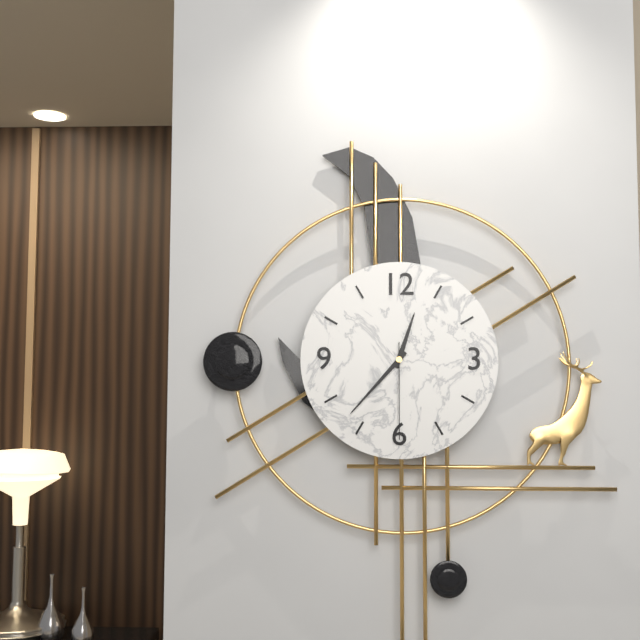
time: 12:37:30
